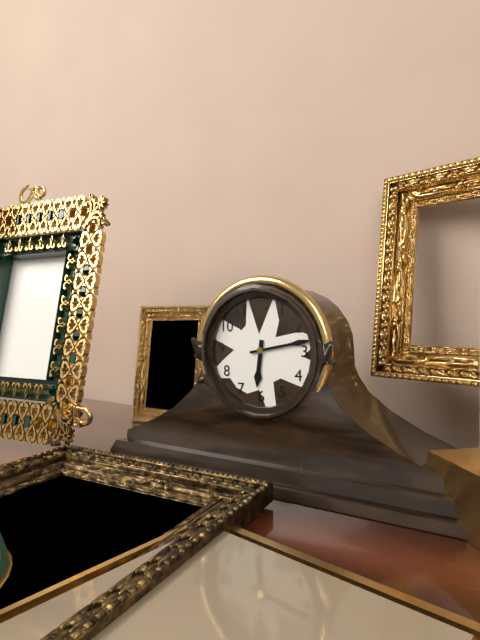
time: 6:13
